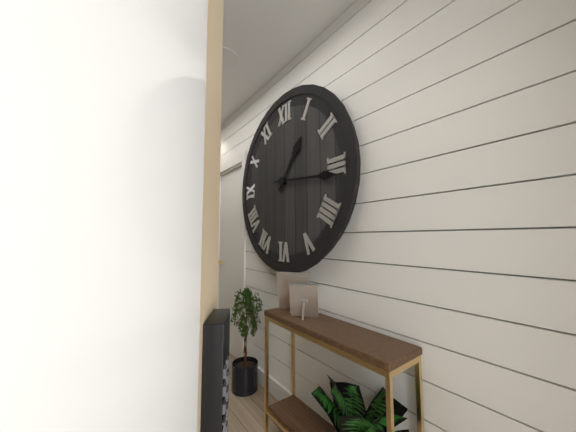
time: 1:16
